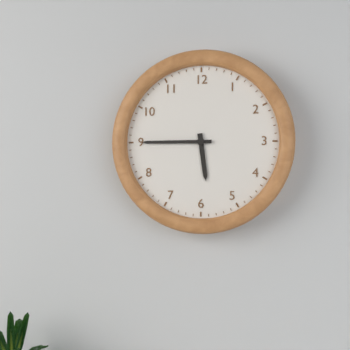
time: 5:45
